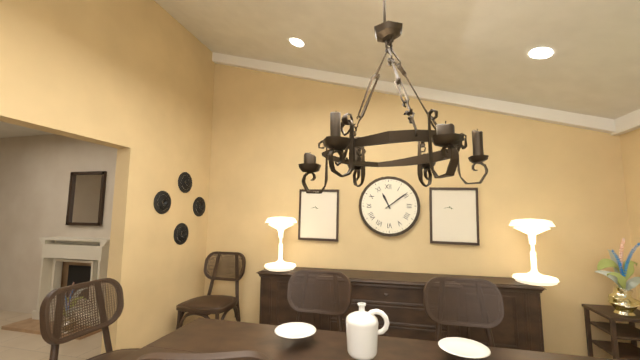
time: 11:09
